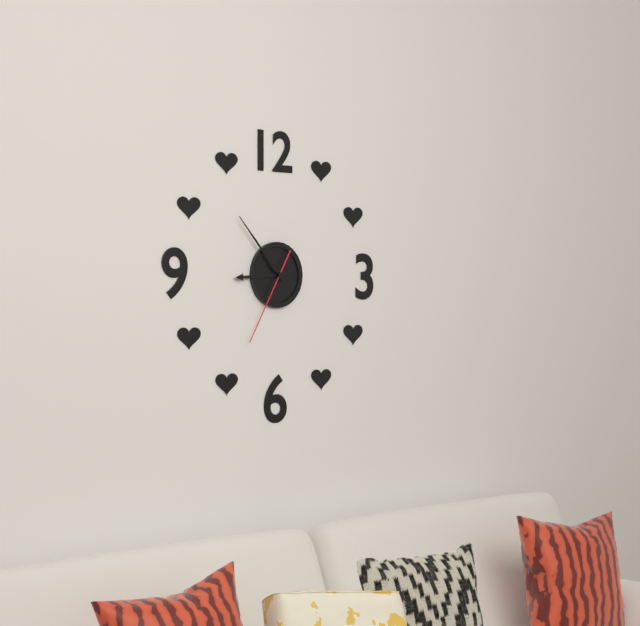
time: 8:53:35
